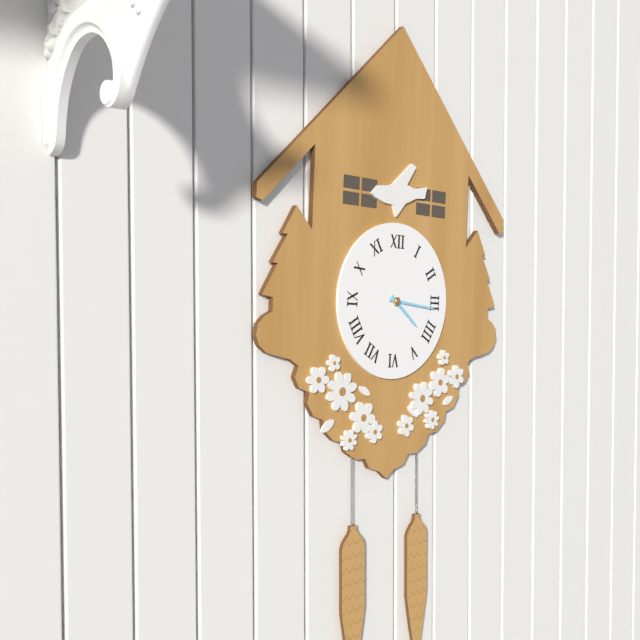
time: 4:16
